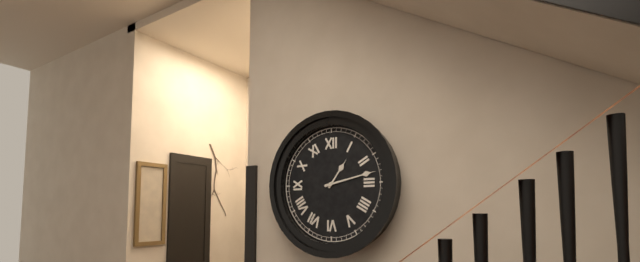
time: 1:13
